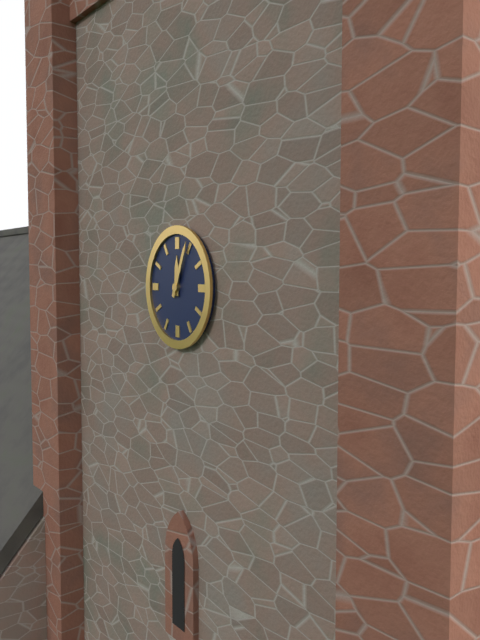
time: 12:04
